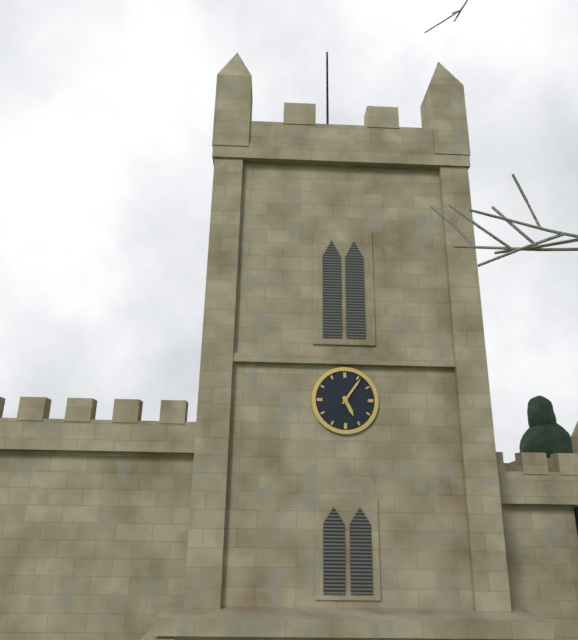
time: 5:06
